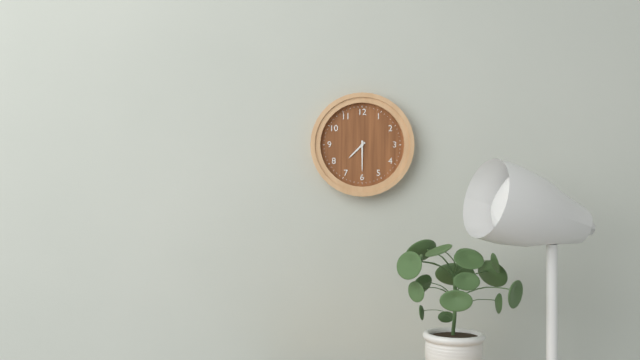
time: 7:30
